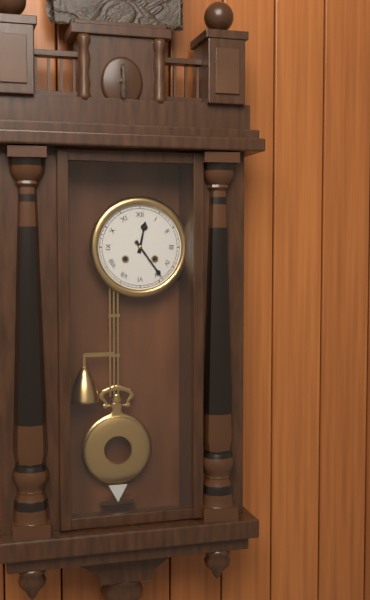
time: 12:24
